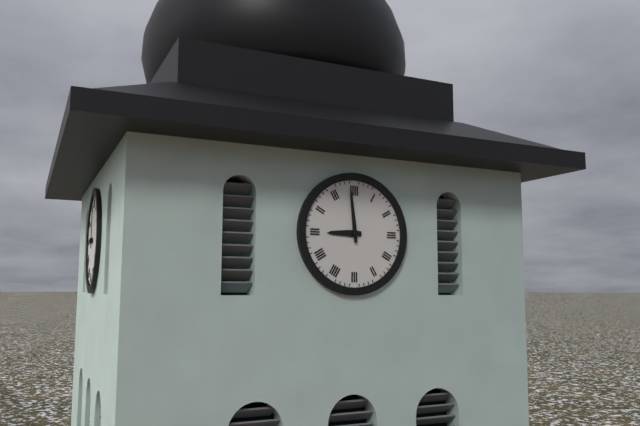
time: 8:59
